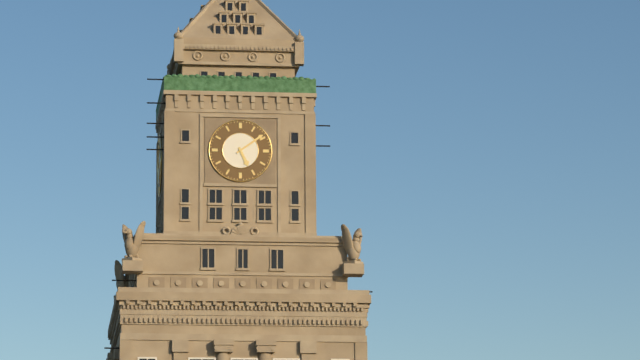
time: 5:09
